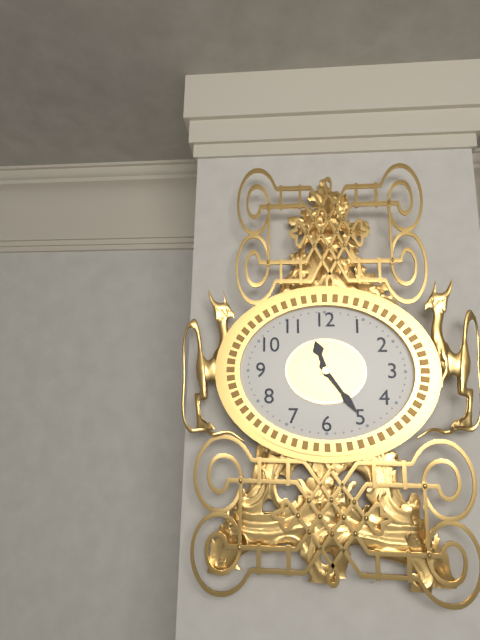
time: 11:24
